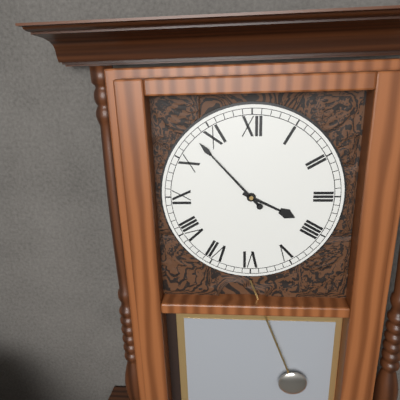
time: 3:53
